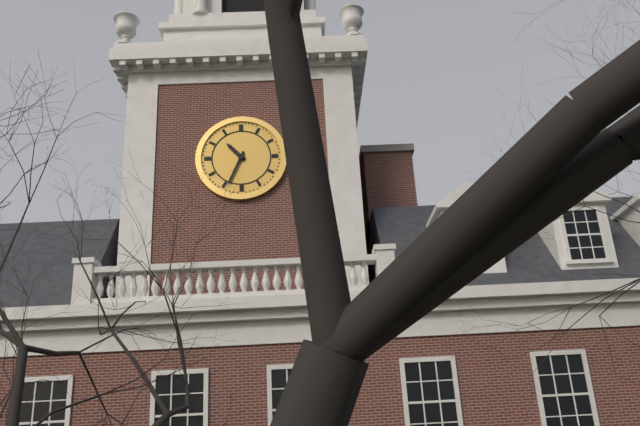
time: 10:34
